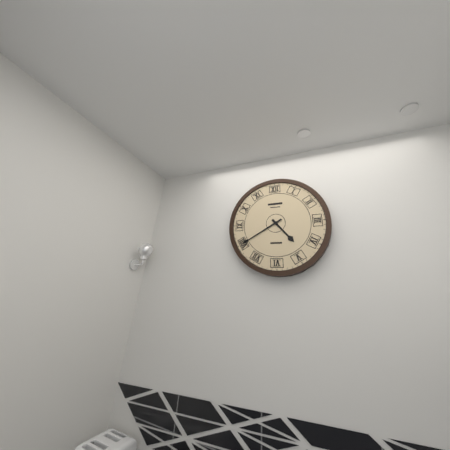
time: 4:40
